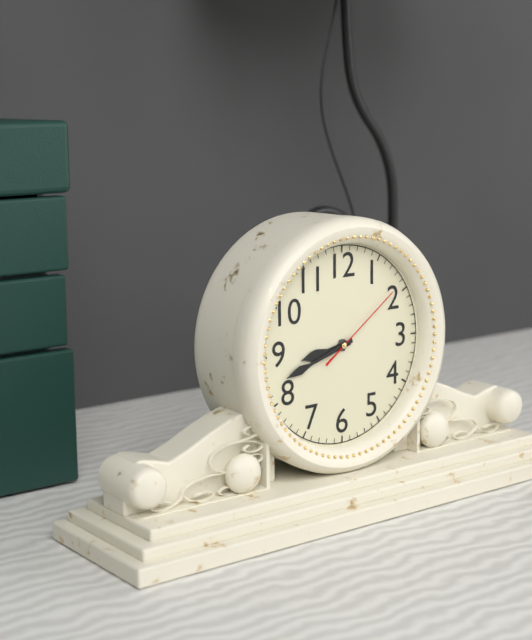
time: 8:42:09
